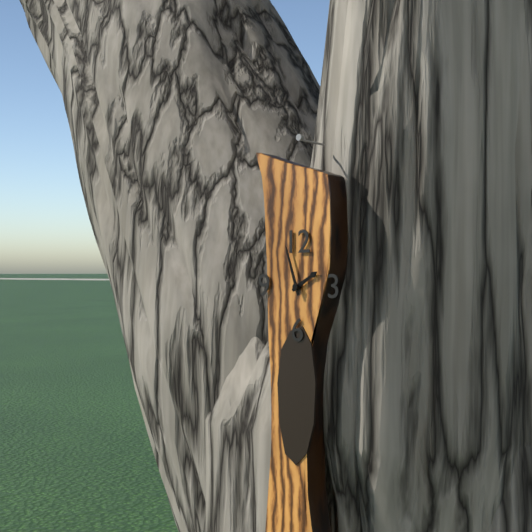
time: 1:57
